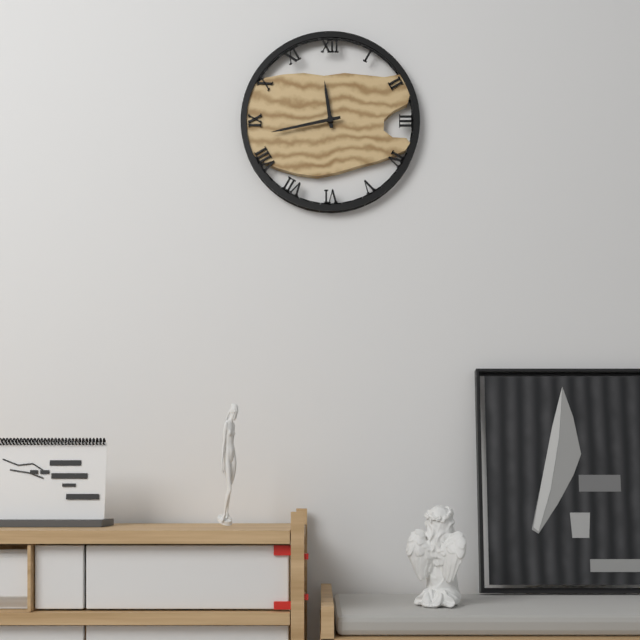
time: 11:43
